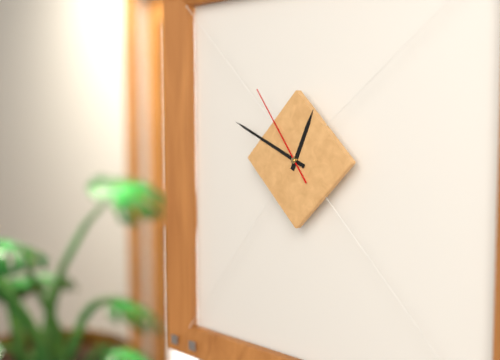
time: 12:49:54
